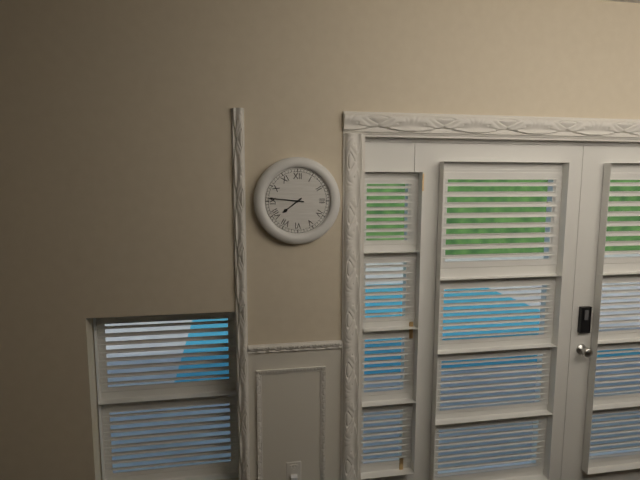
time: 7:46
